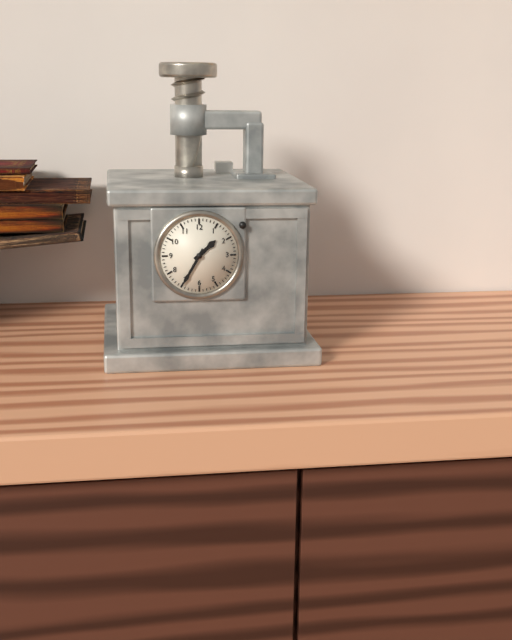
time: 1:35
